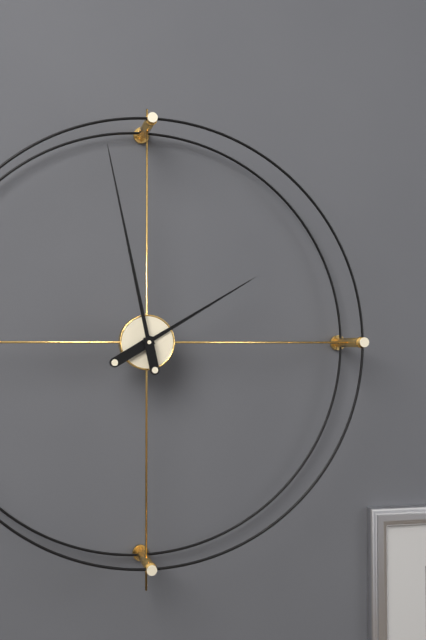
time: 1:58
